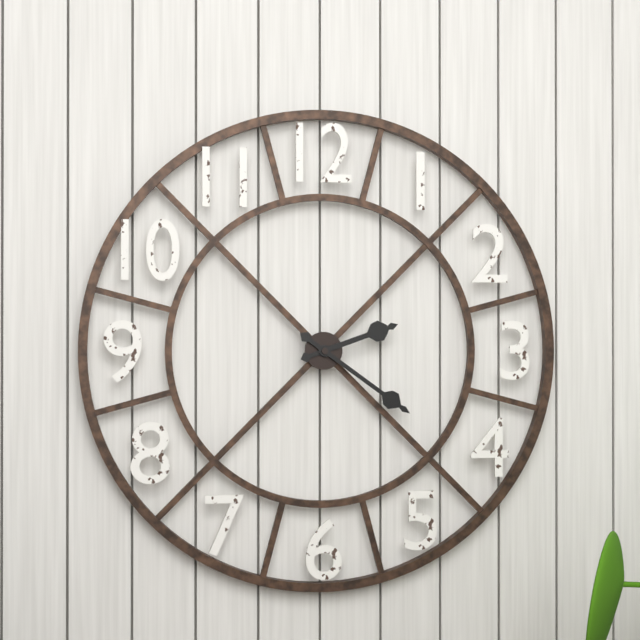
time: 2:21
